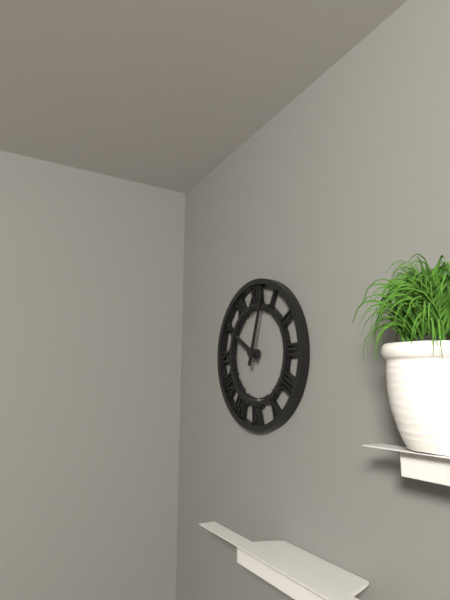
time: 10:03
